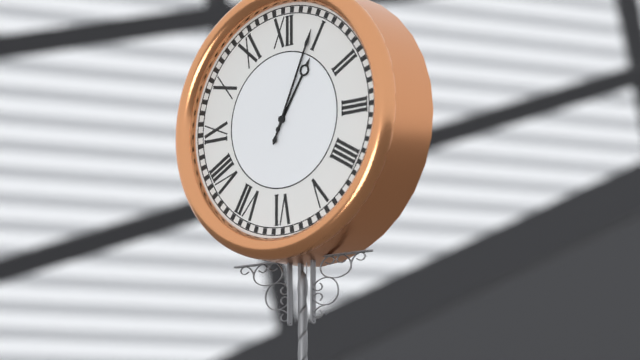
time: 1:04
